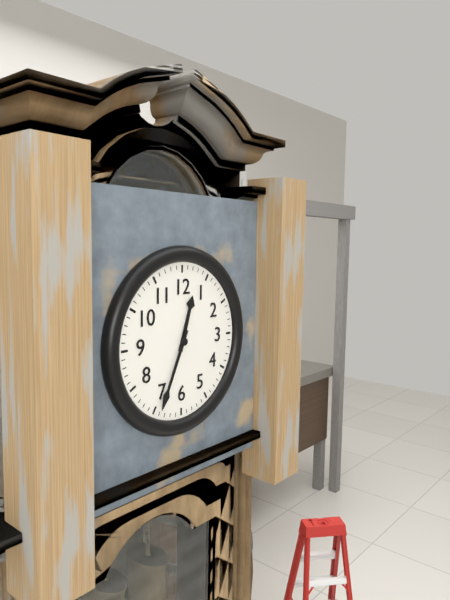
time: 12:34
